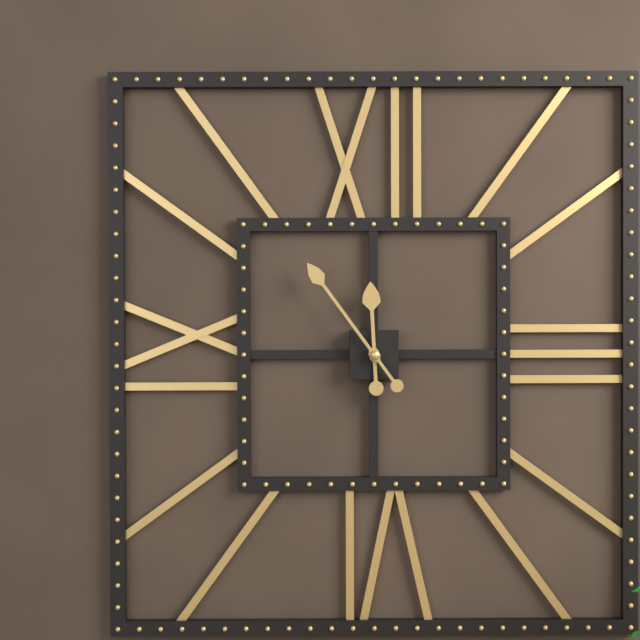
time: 11:54
